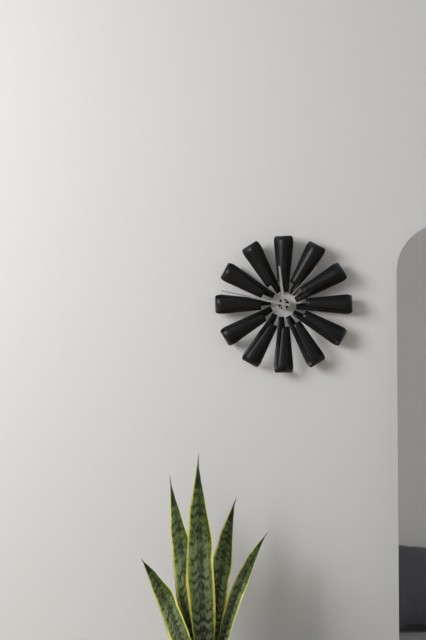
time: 11:47:07
